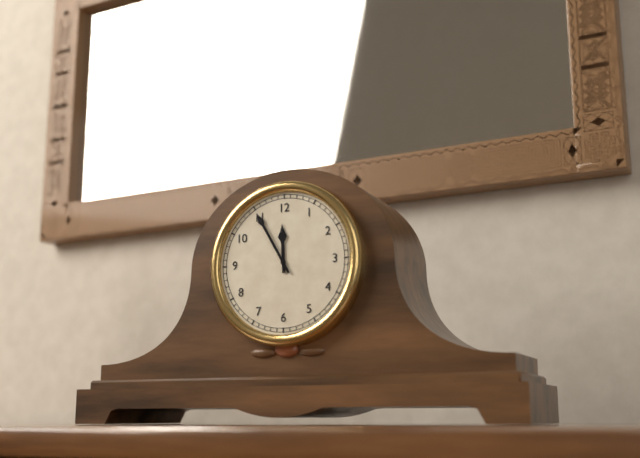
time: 11:55
